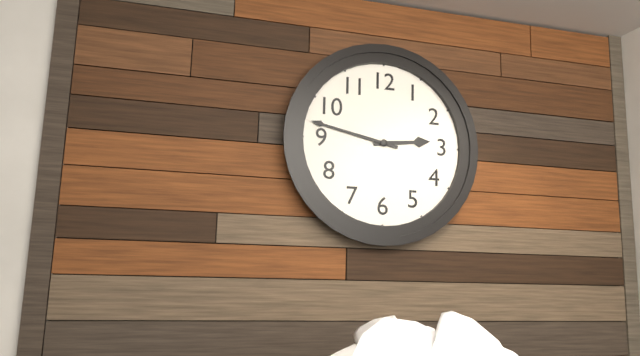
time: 2:47
